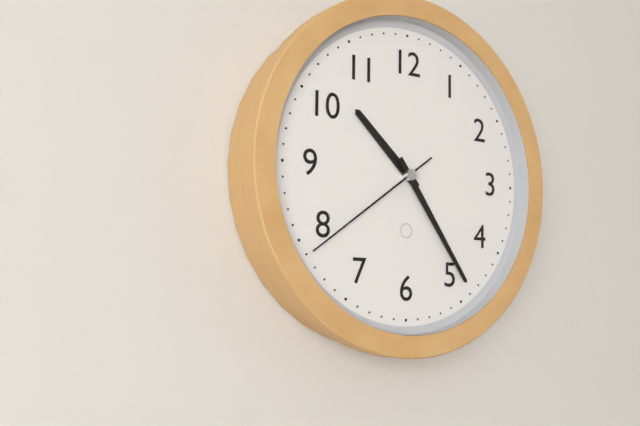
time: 10:24:39
